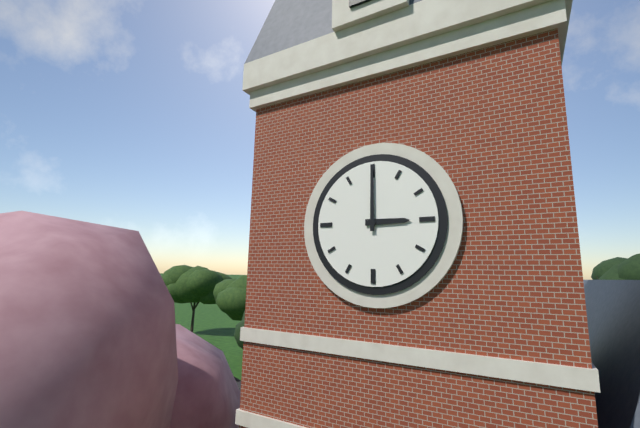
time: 3:00
